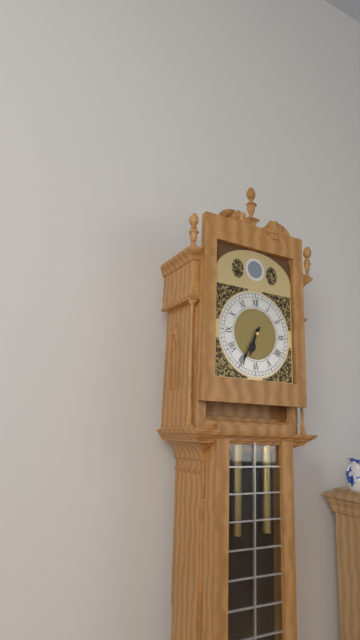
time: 6:35
